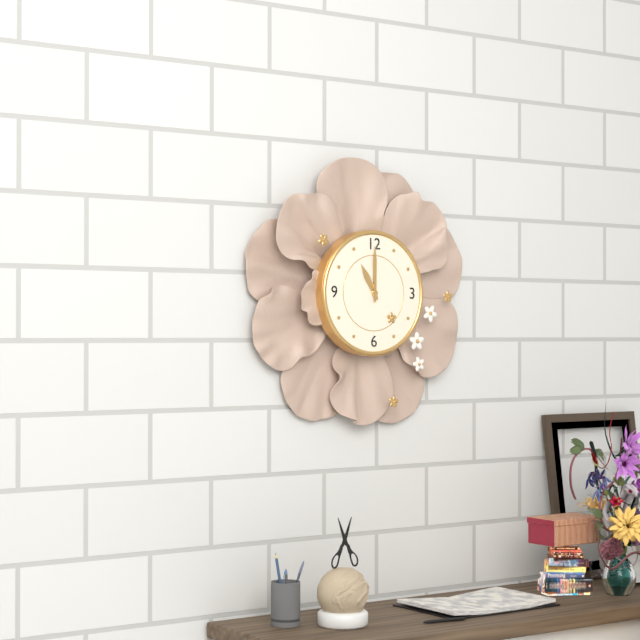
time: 11:00
